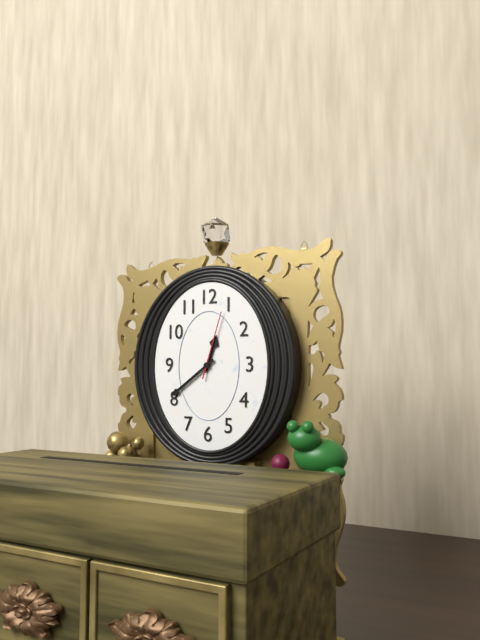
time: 12:39:03
